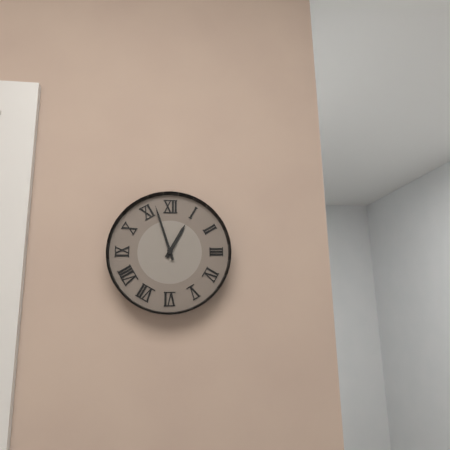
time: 12:57
